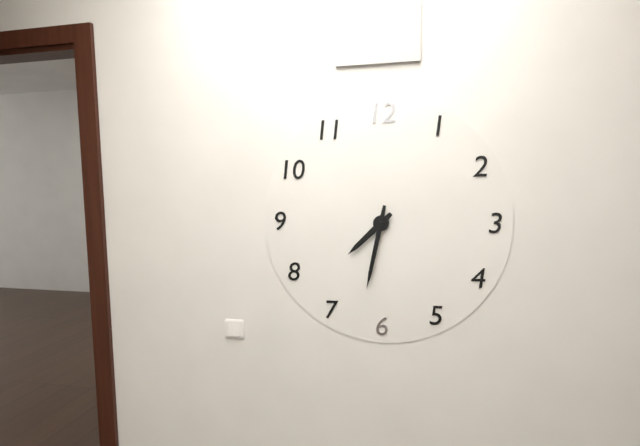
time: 7:32
